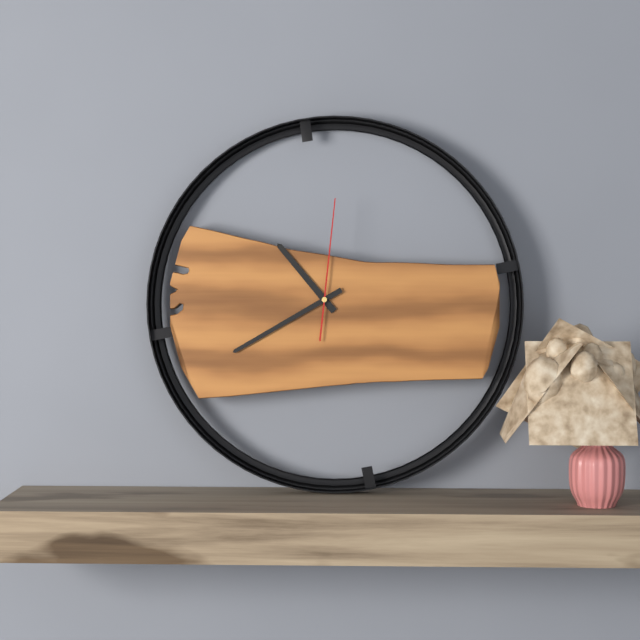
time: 10:40:01
